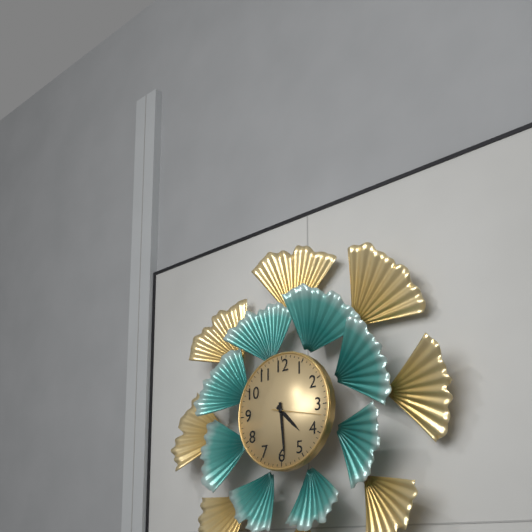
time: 4:29:17
